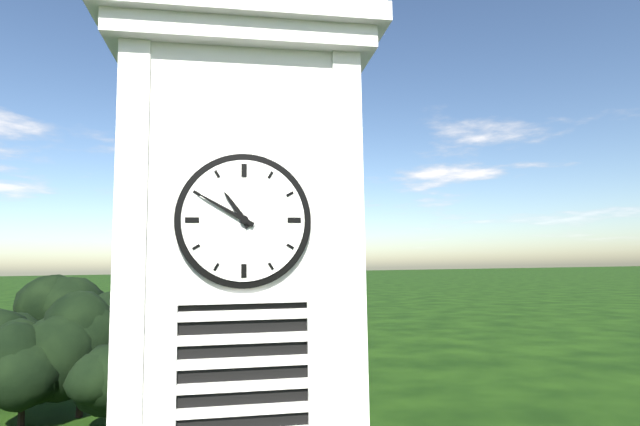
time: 10:50
